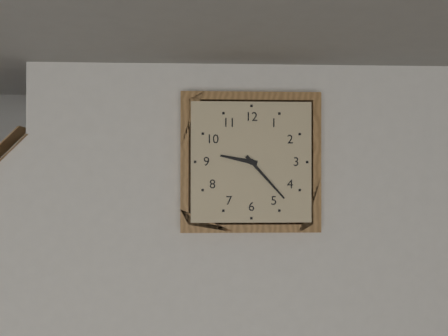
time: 9:23
